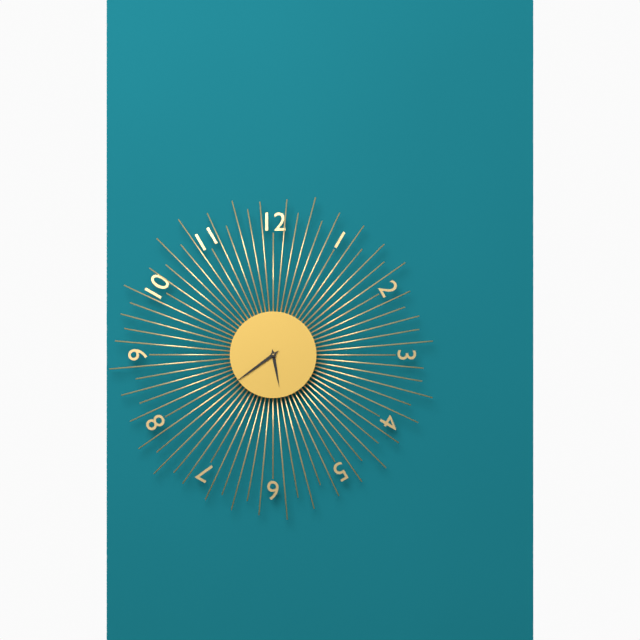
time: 5:39
